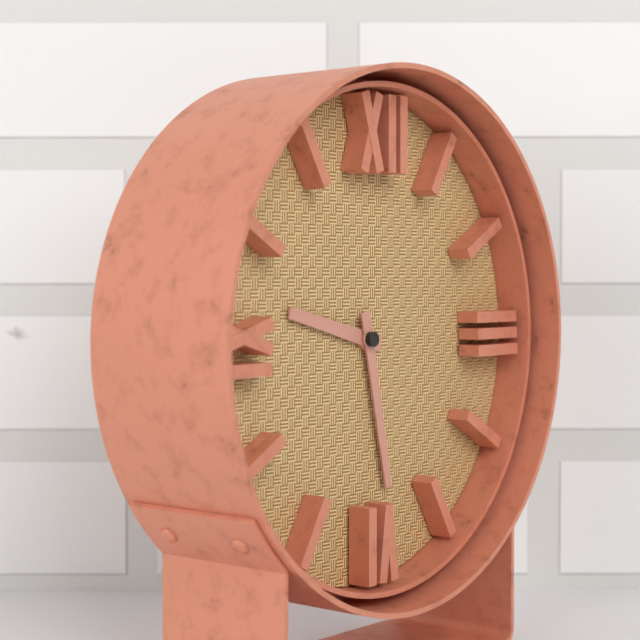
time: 9:28
